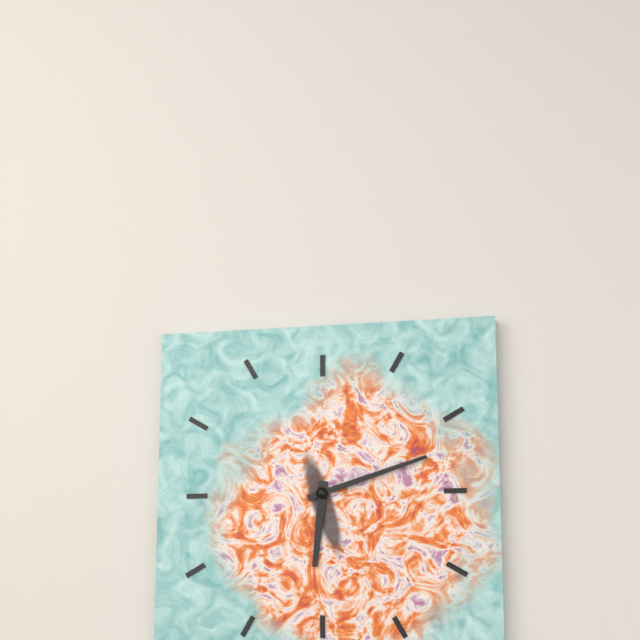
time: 6:12
